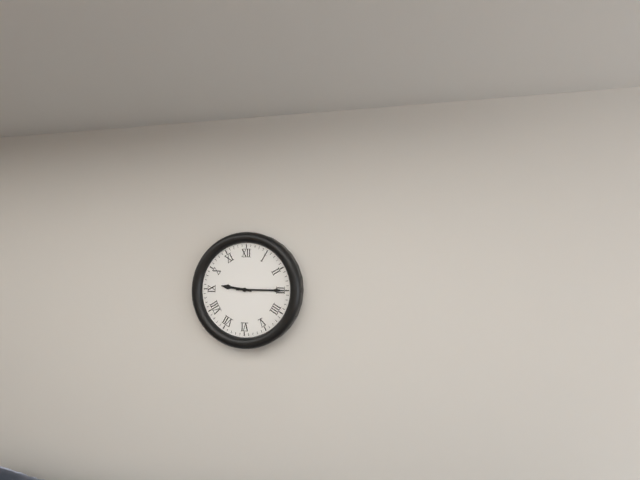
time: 9:15
